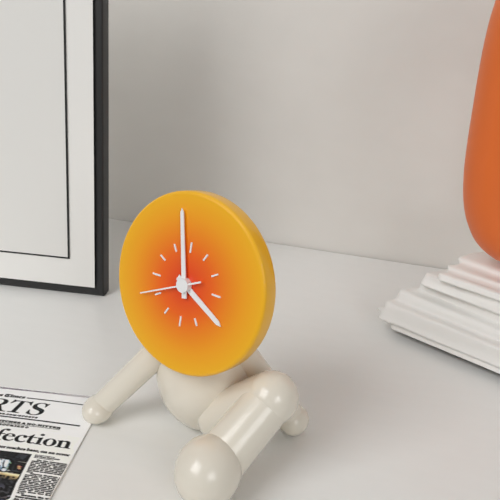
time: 3:58:41
